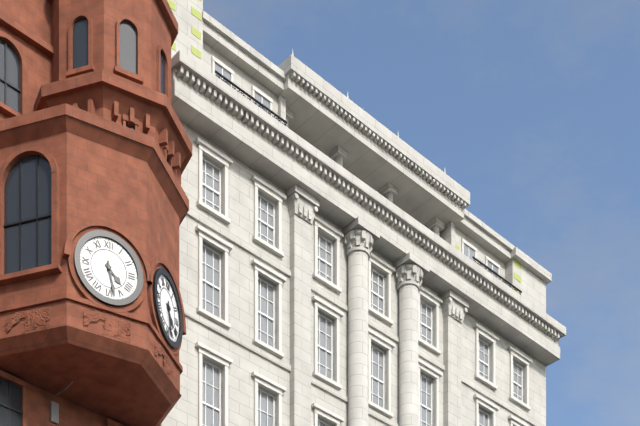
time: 4:28
